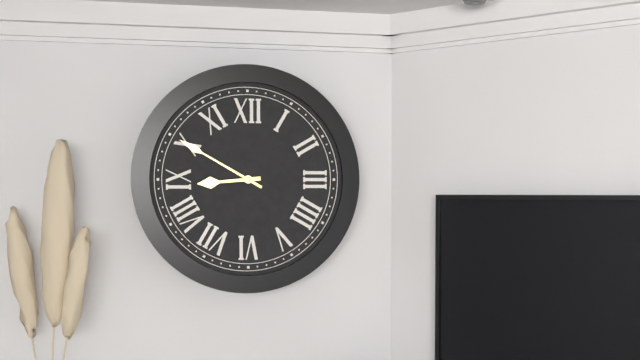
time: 8:50
